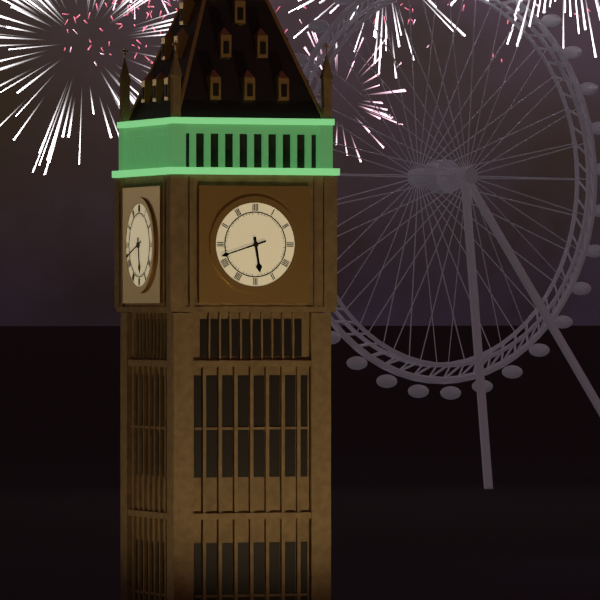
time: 5:42
